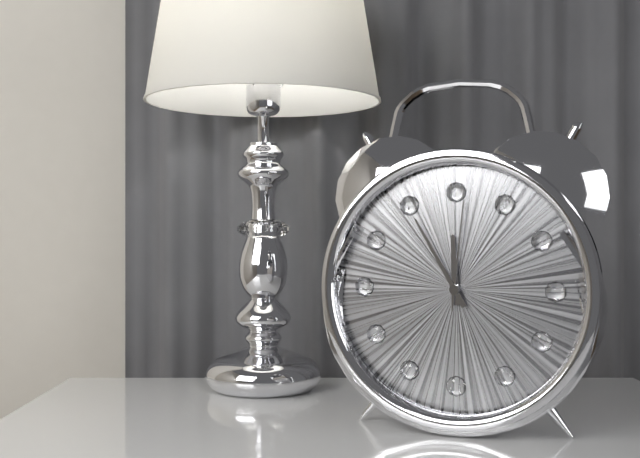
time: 11:55:01
